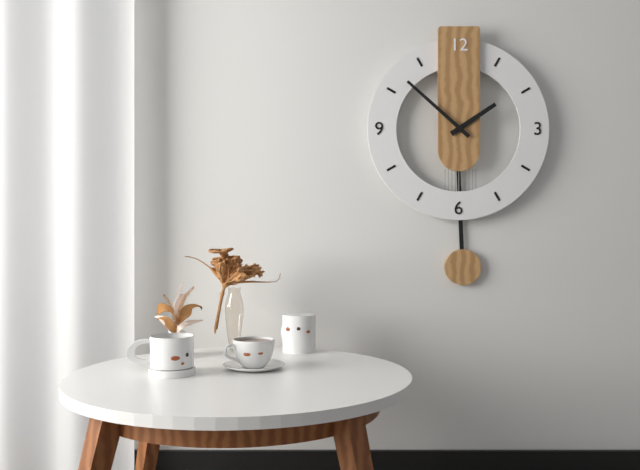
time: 1:52
